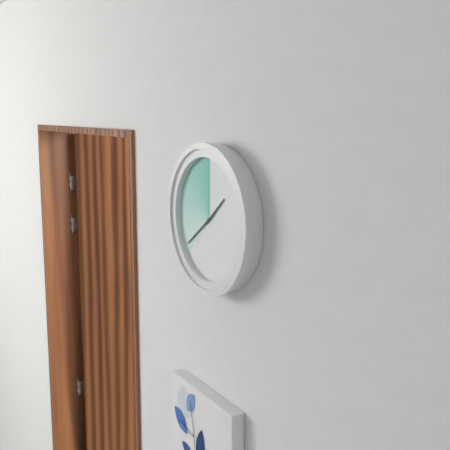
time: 1:39
